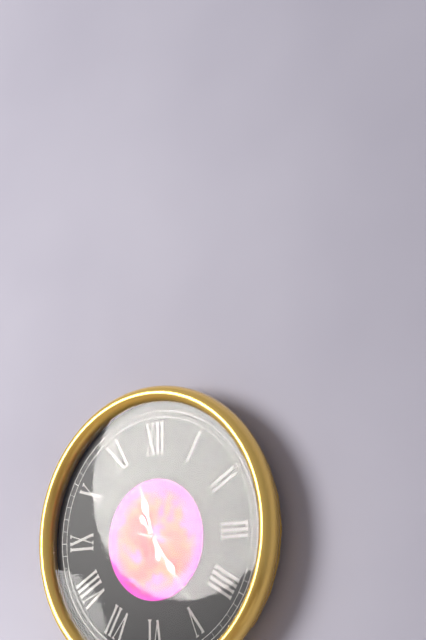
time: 11:24:17
